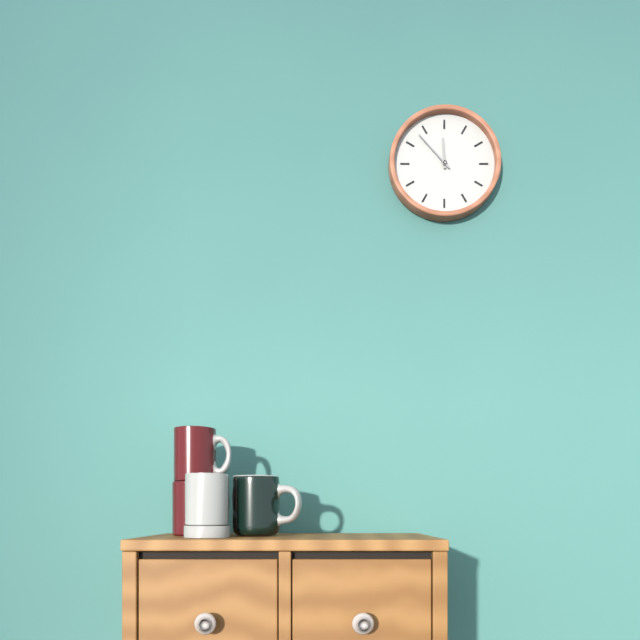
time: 11:53
